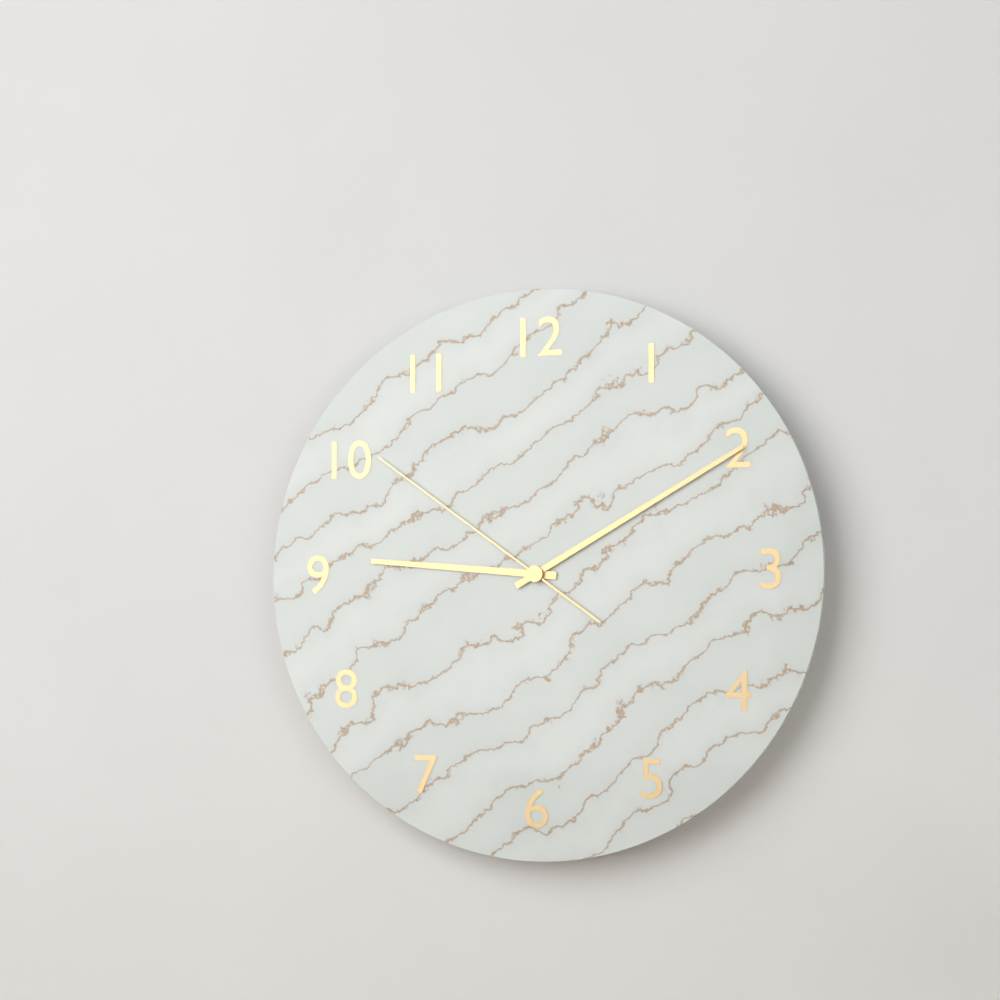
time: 9:10:51
